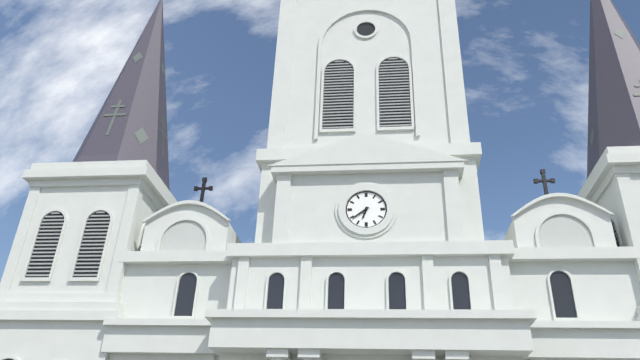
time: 6:39
